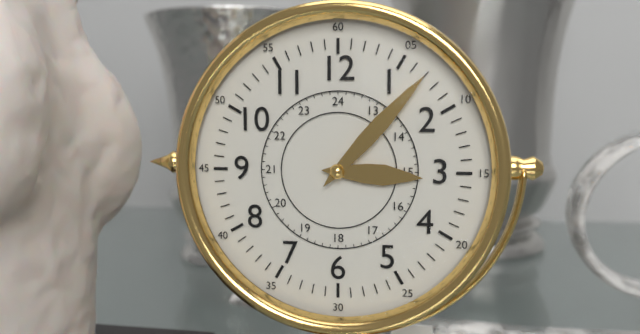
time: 3:07
